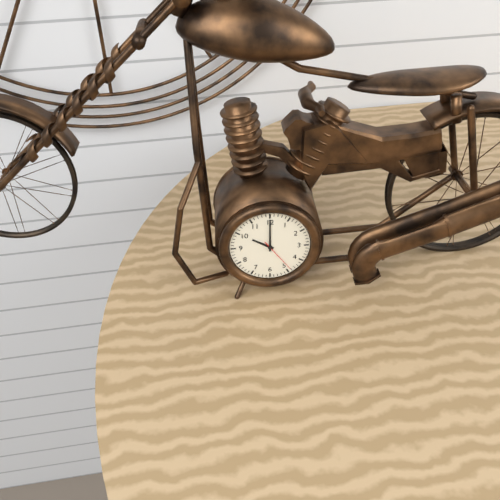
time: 10:00
